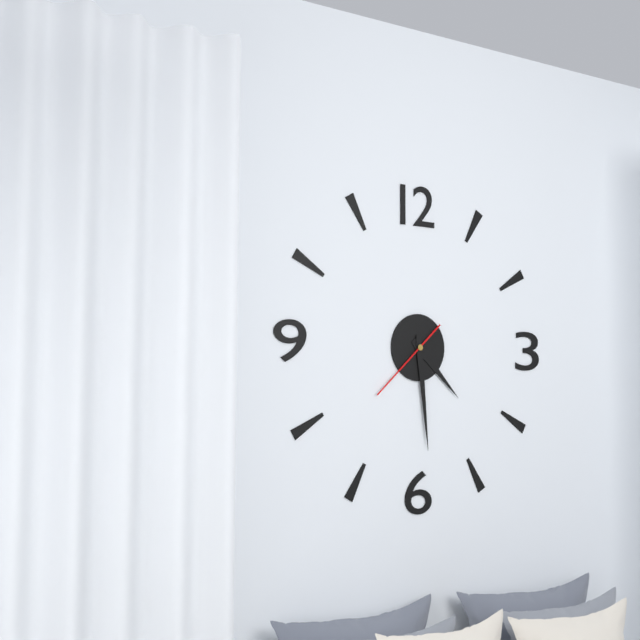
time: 4:29:38
